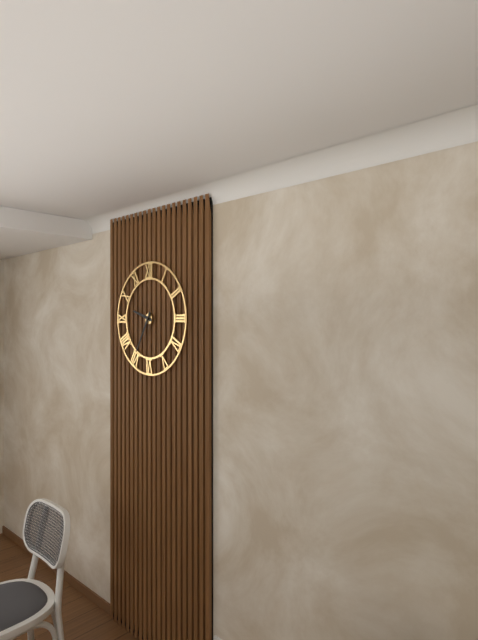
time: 9:35
